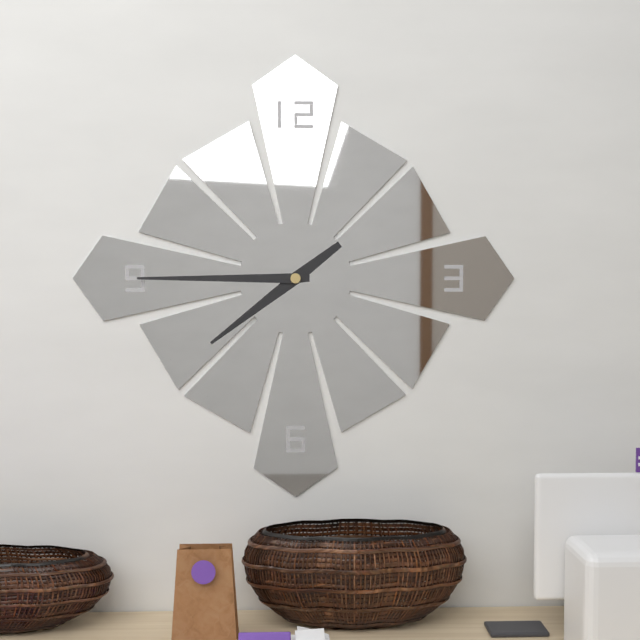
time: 7:45
